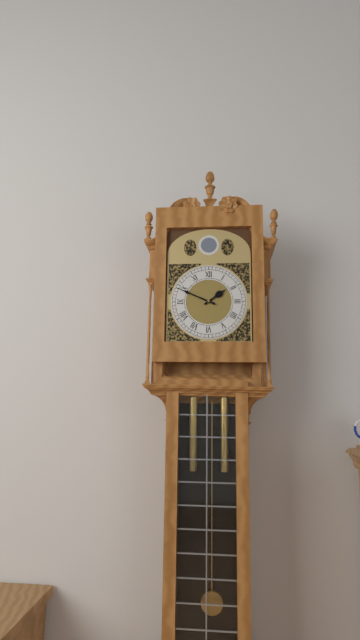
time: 1:49
